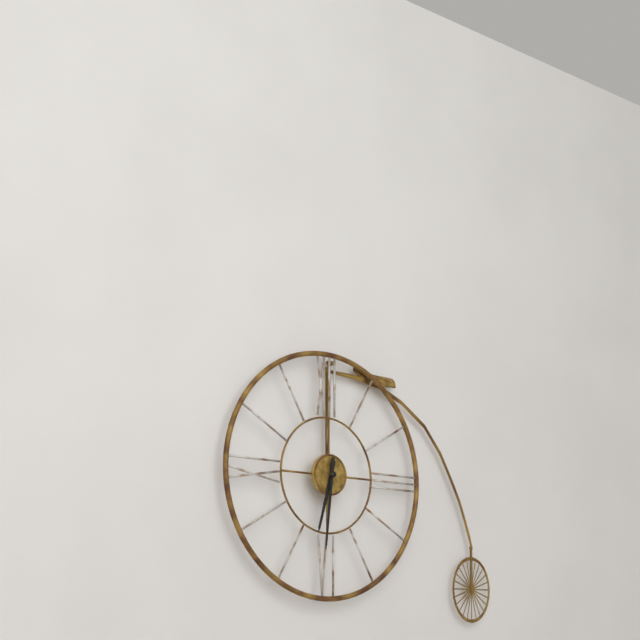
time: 6:31
